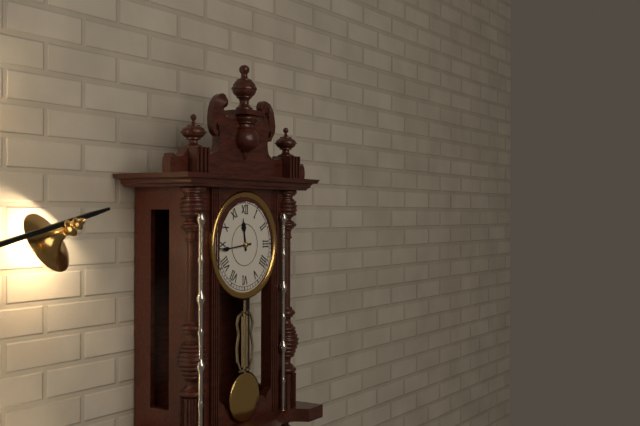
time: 11:44
